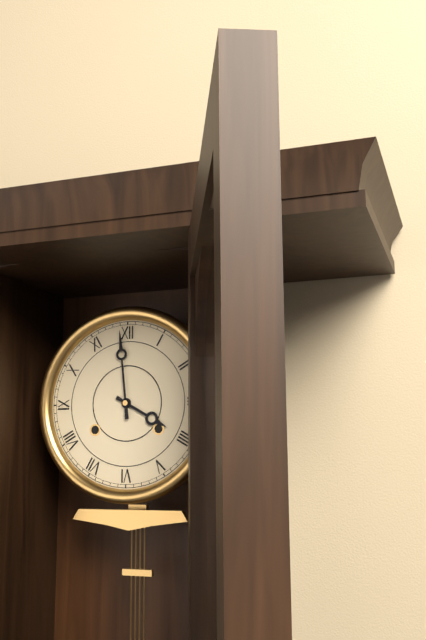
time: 3:59
